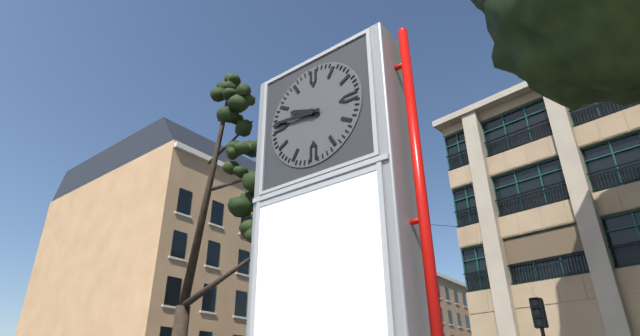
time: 9:46
